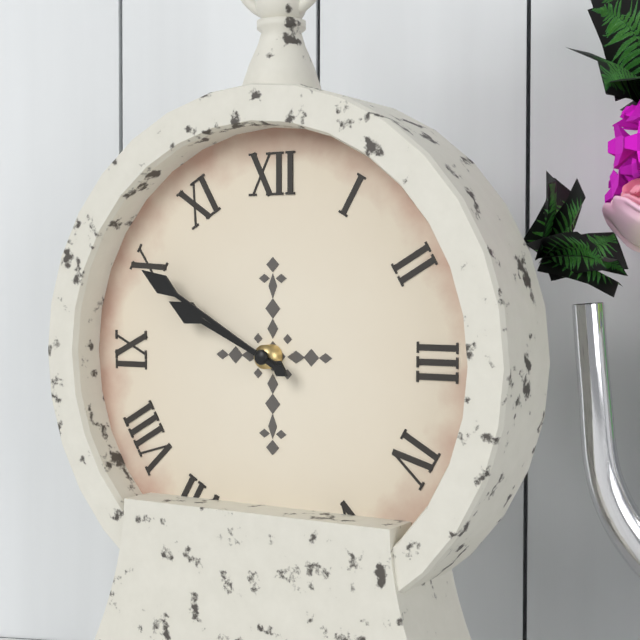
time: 9:50
